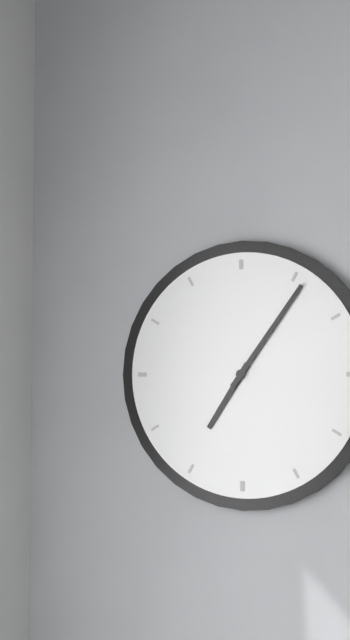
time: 7:06
